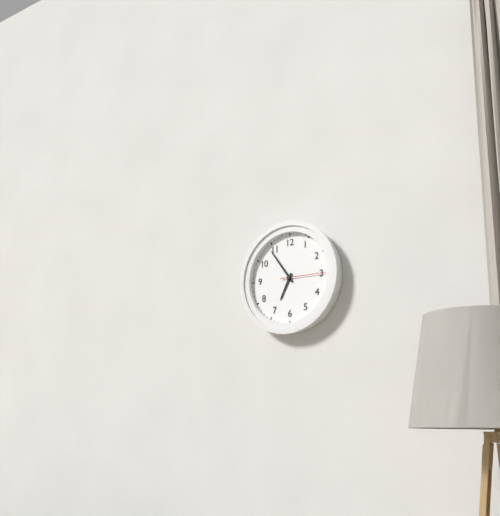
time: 6:54
